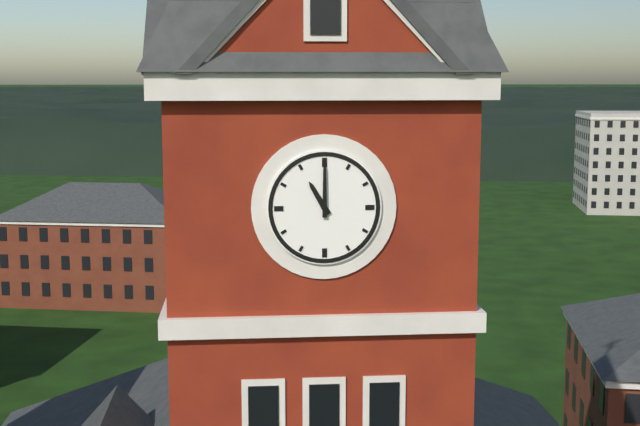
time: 11:00
